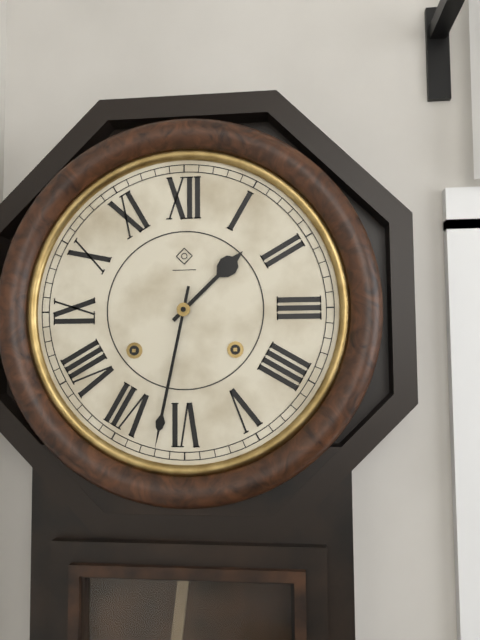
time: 1:32
